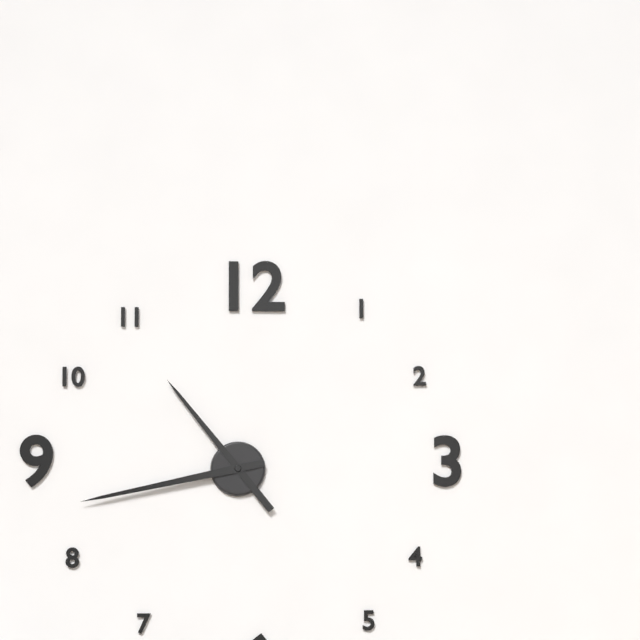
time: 10:43
